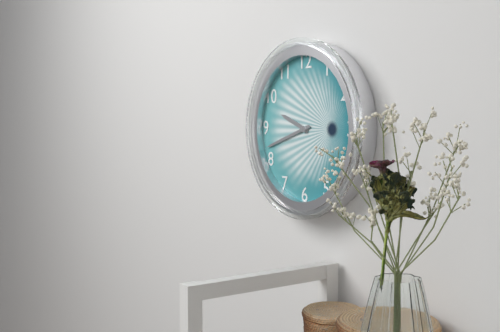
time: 9:42
